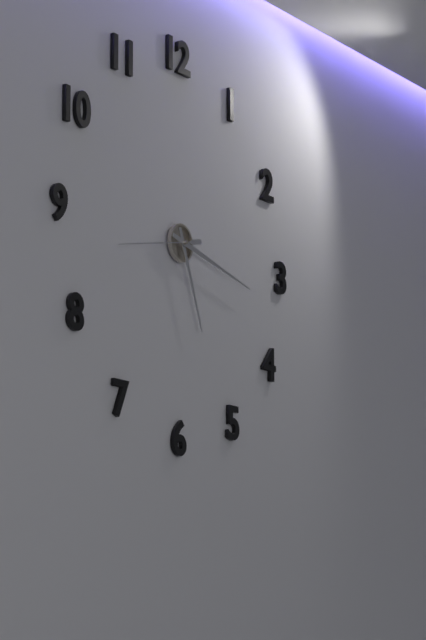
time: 5:17:43
